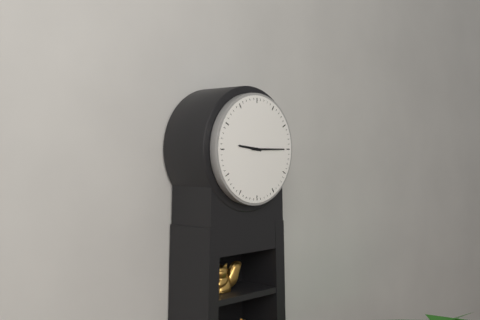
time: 9:15
